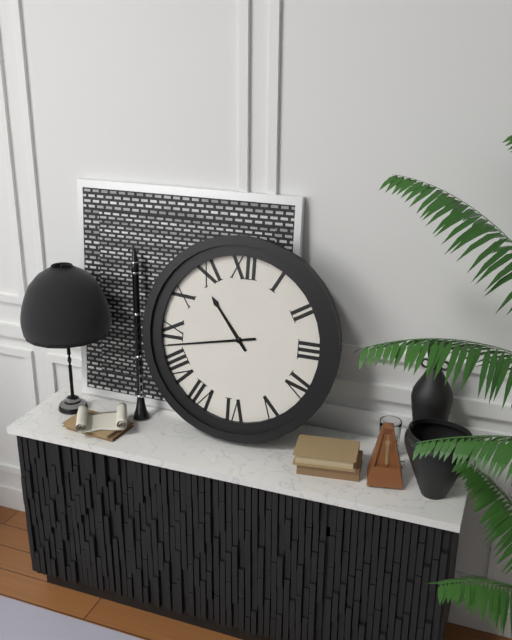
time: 10:43
